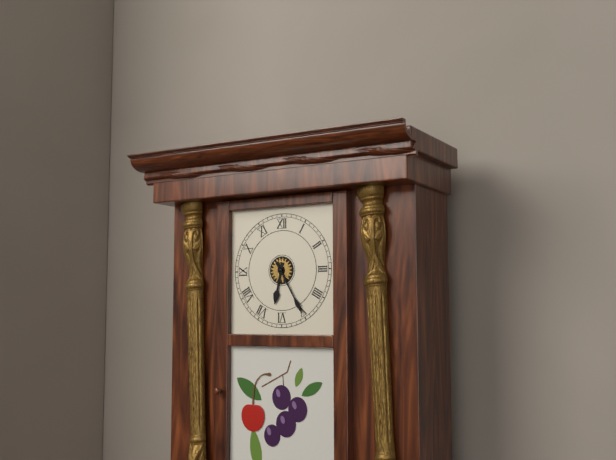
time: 6:25
